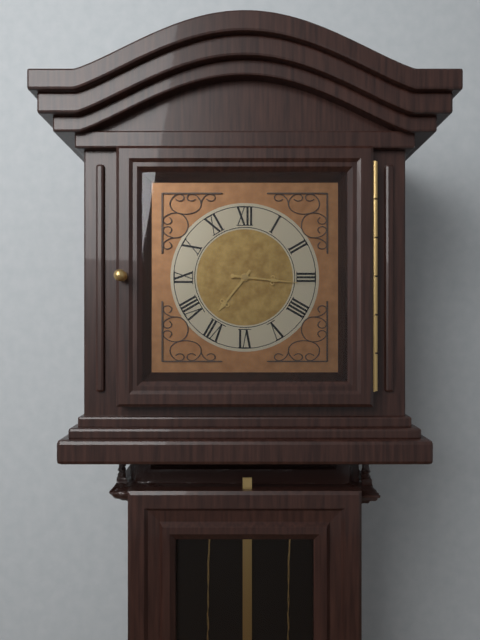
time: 7:16
